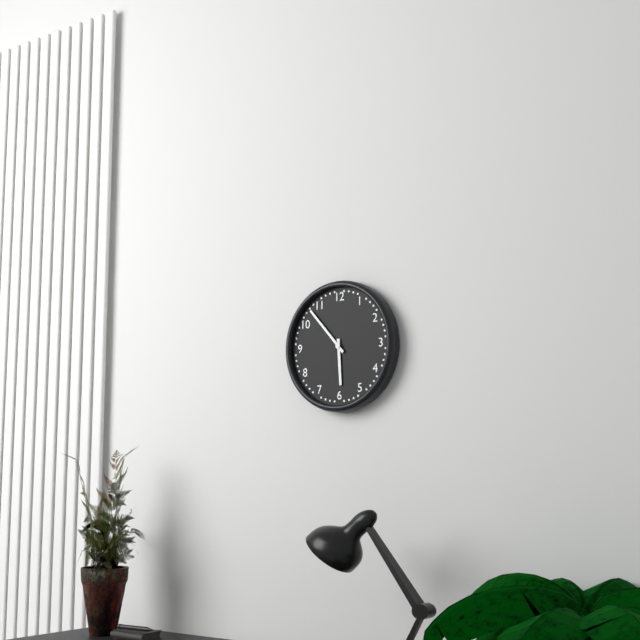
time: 5:53
